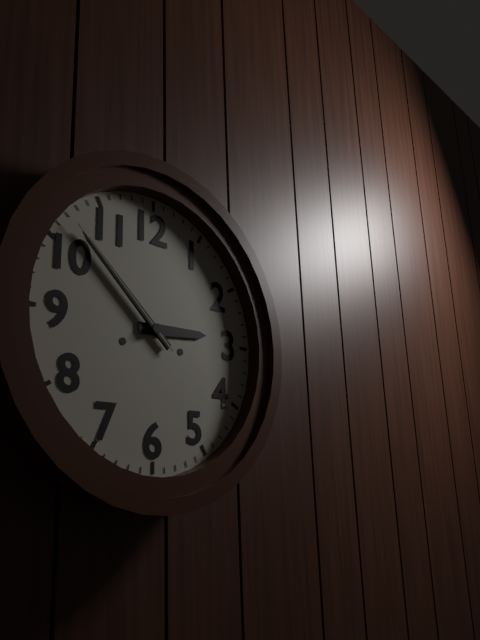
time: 2:52:52
